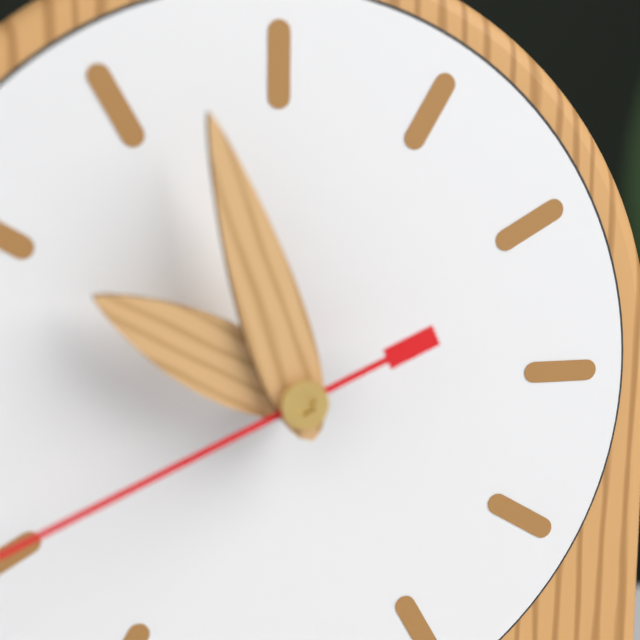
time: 9:57
